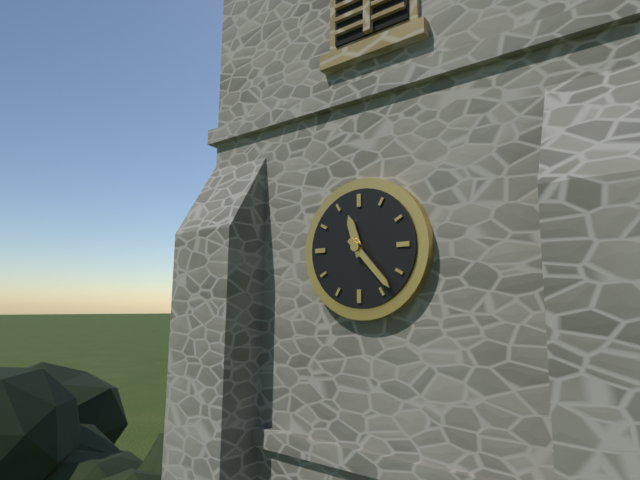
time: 11:23
